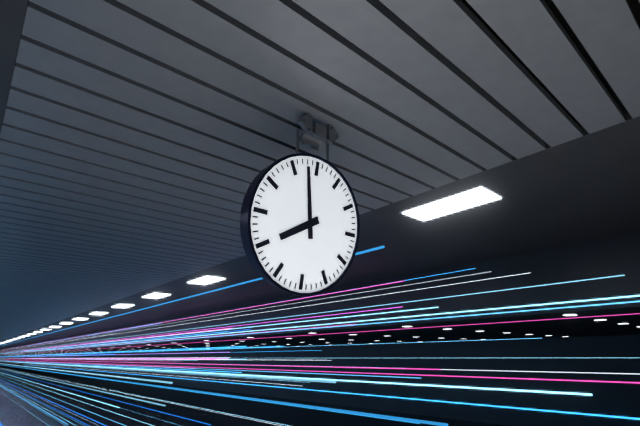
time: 7:58
